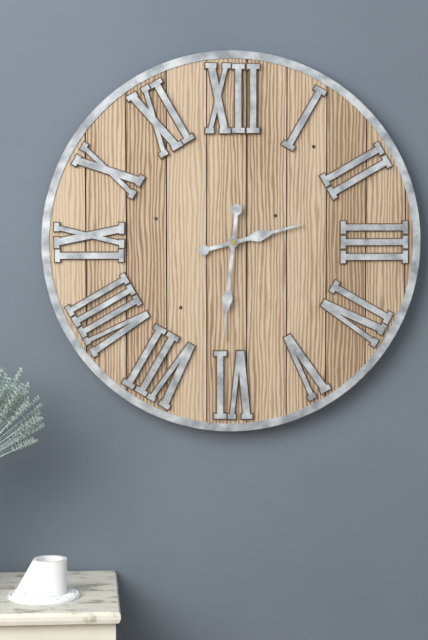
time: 2:31
